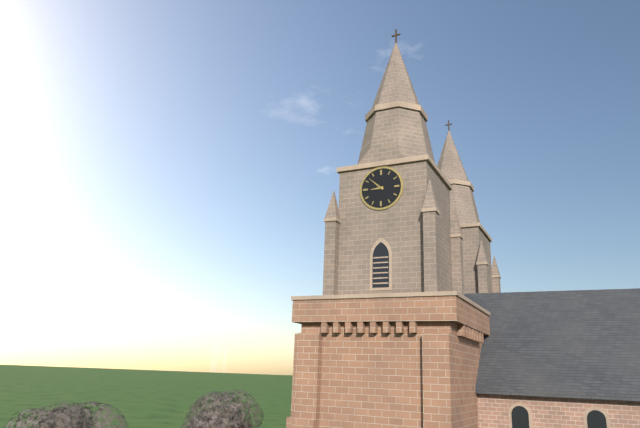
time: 8:52
